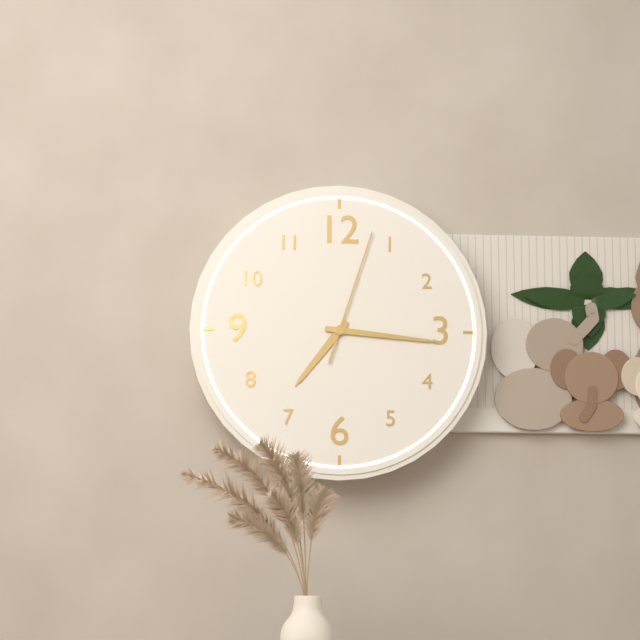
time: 7:16:03
